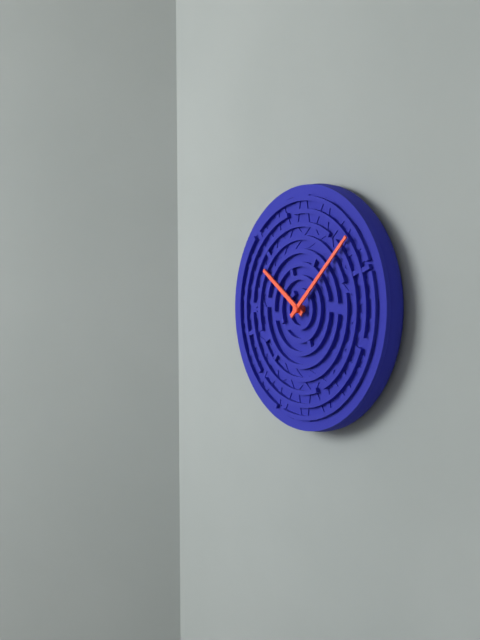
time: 10:08
